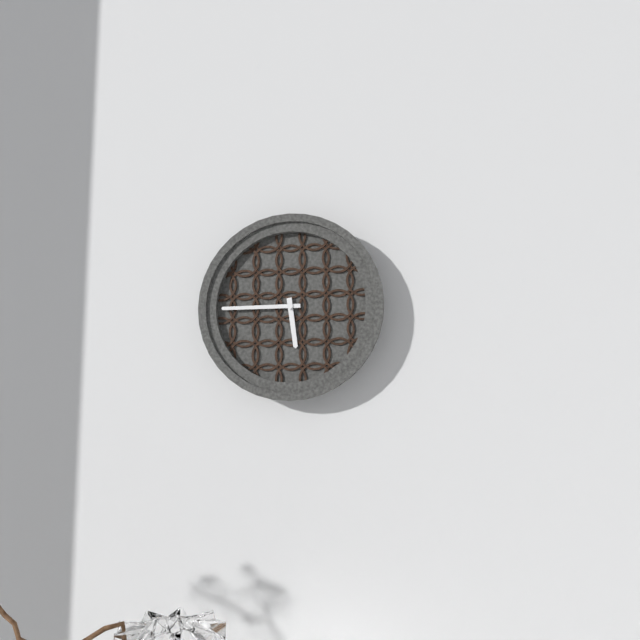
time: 5:45
